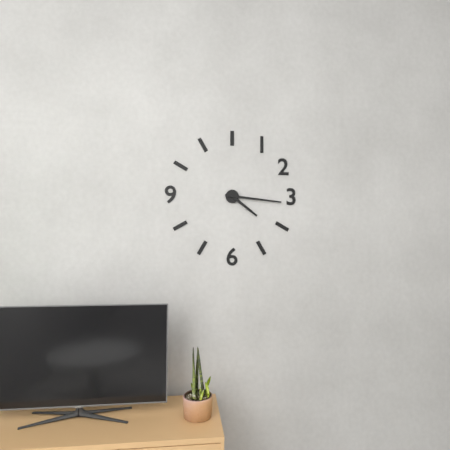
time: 4:16
